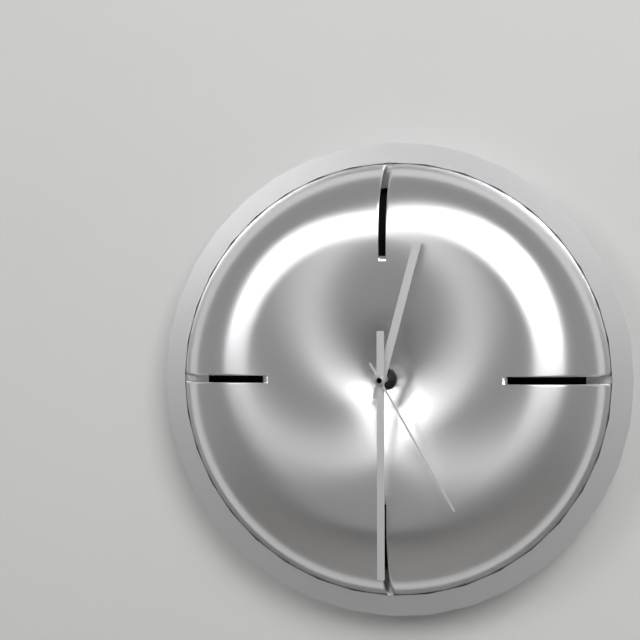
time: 12:30:25
